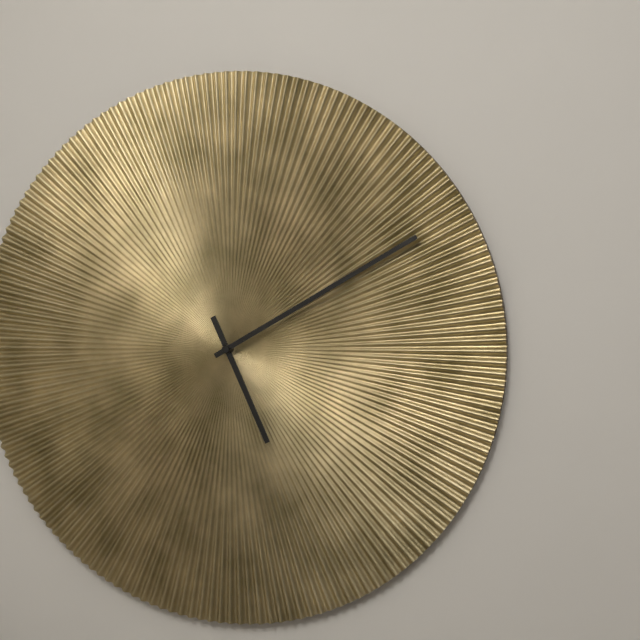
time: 5:10
